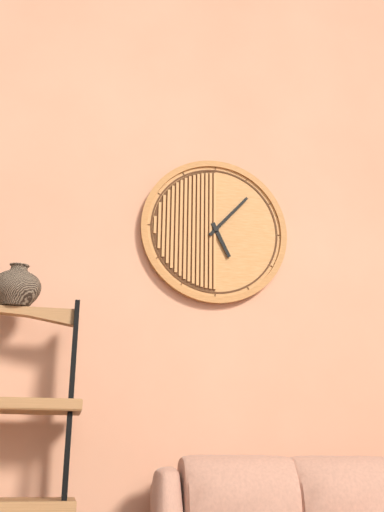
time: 5:07
